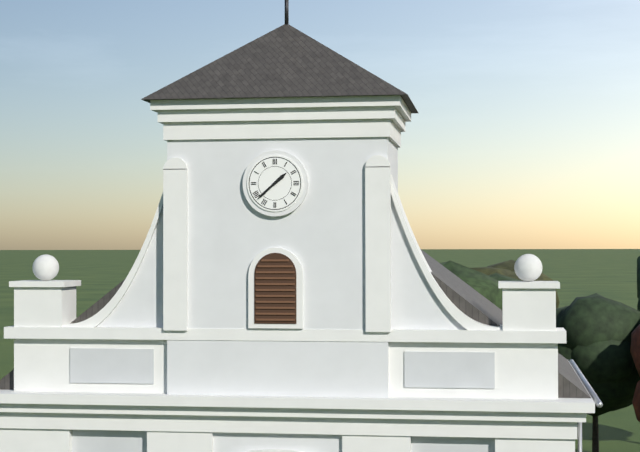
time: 1:38
